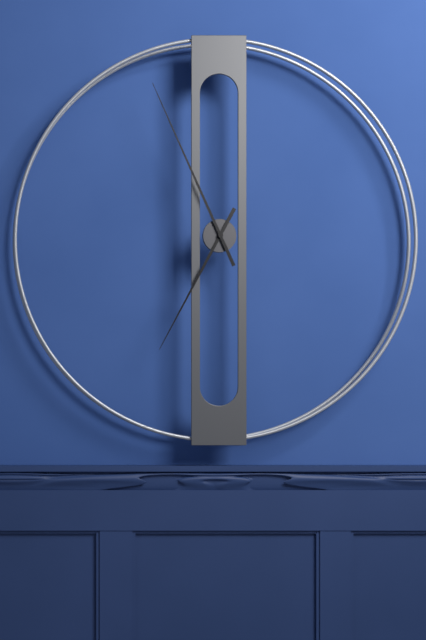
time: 6:56
